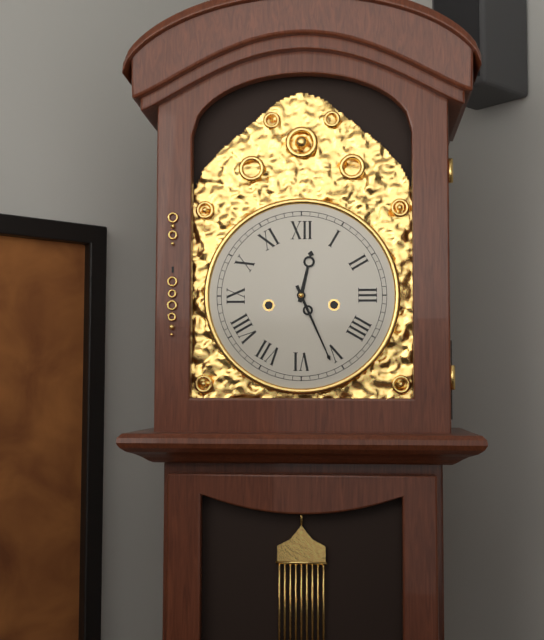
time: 12:26
